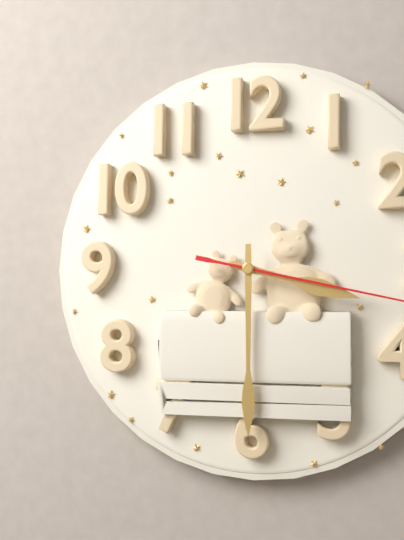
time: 3:30
